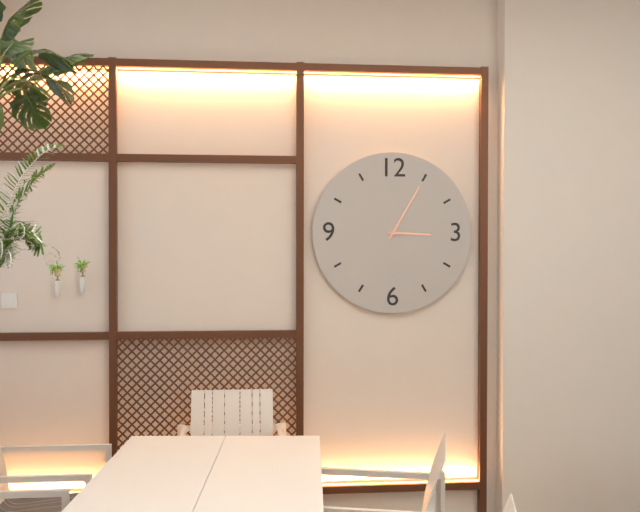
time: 3:05
